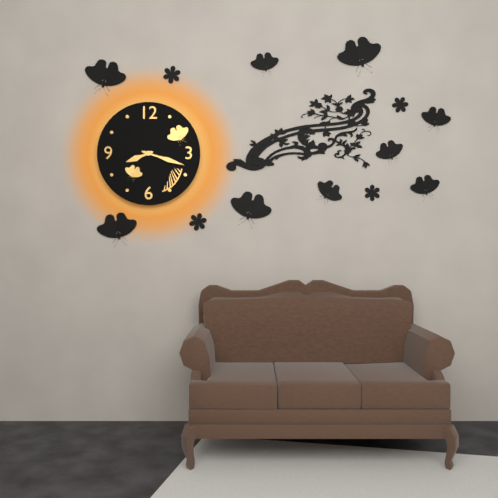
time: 8:18
